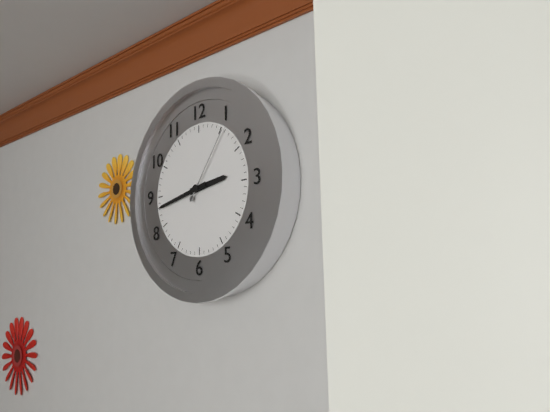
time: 2:43:06
